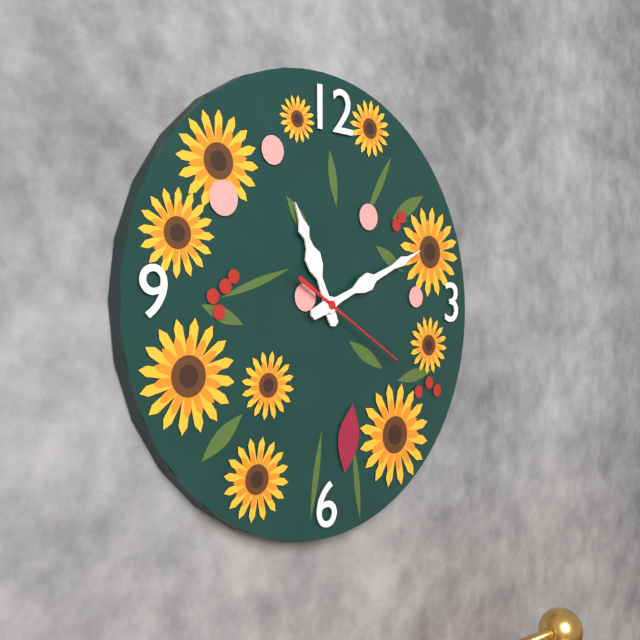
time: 11:11:20
